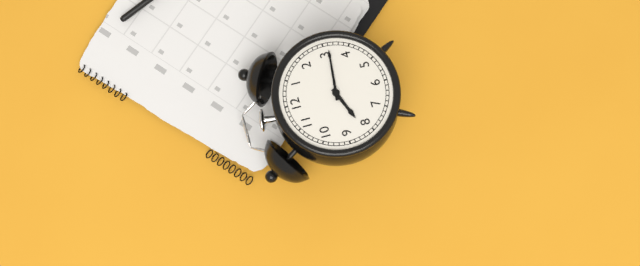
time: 8:16
